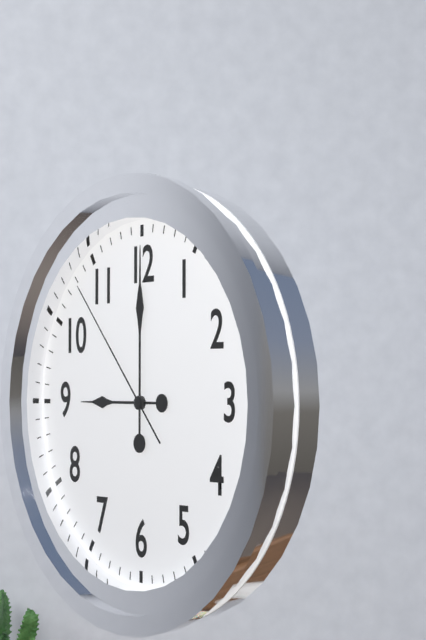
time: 9:00:53
